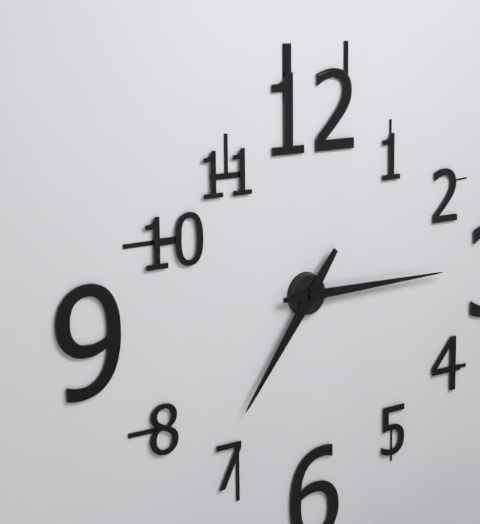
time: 7:15
